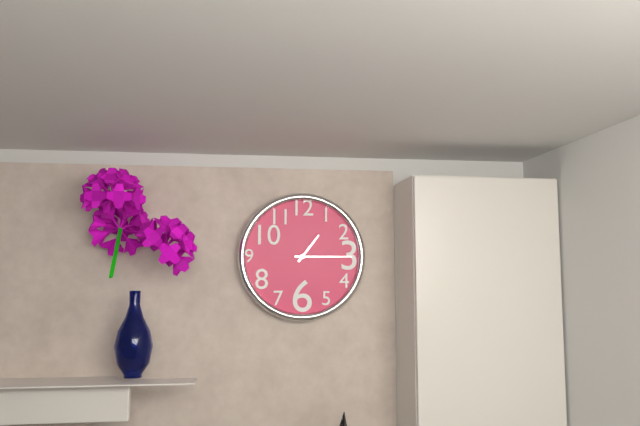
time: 1:15
